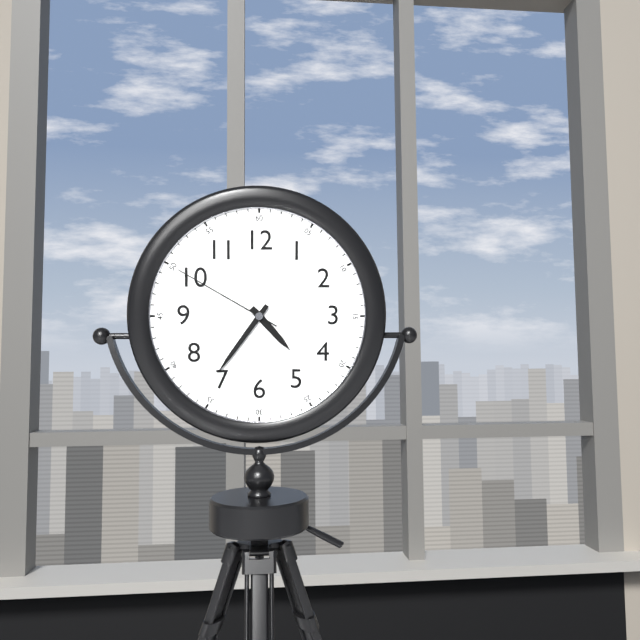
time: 4:36:50
